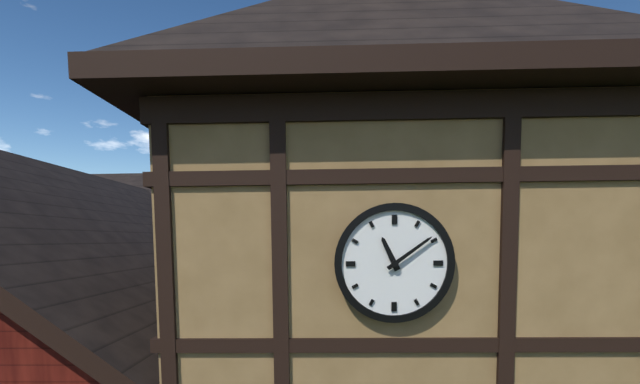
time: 11:09
